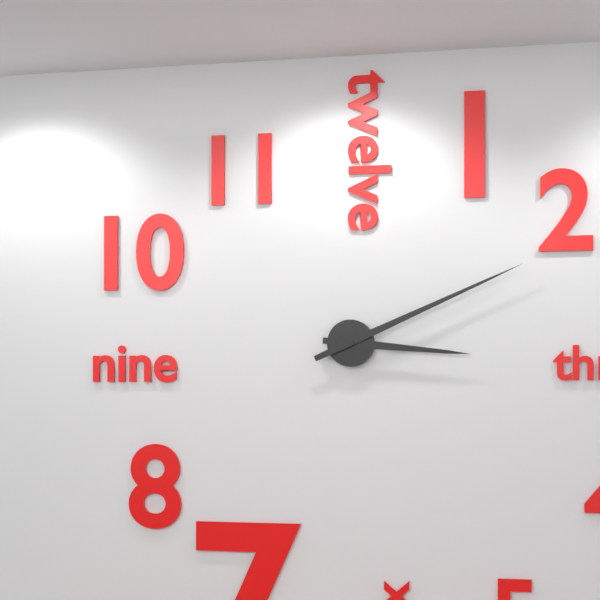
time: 3:11
